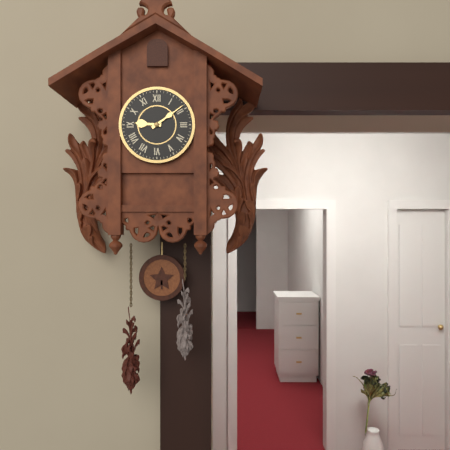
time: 9:09
